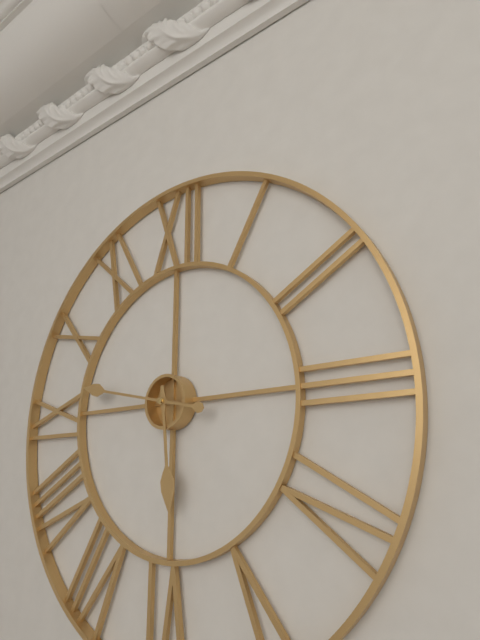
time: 5:47
